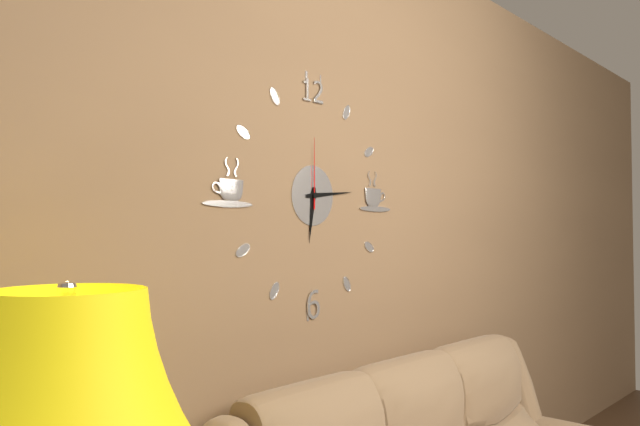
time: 6:14:00
